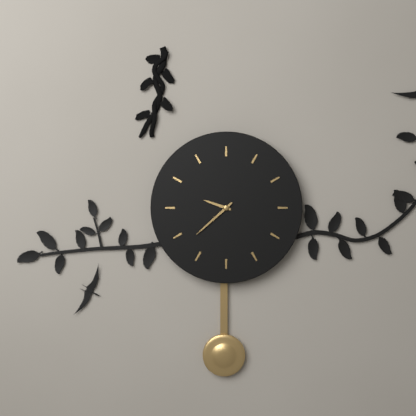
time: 9:38
